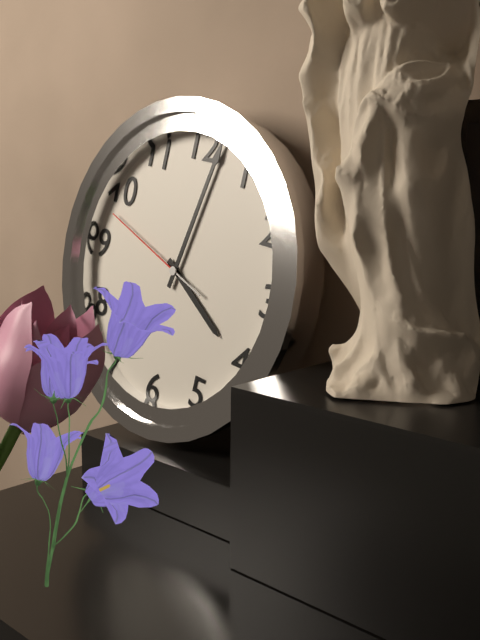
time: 4:02:48
